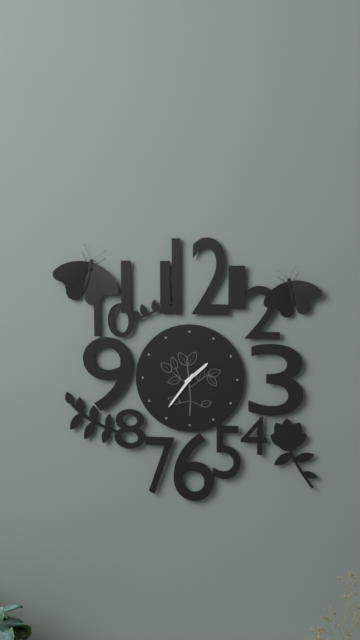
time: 1:36
